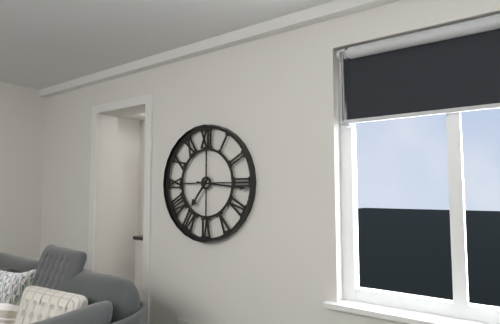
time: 7:16
